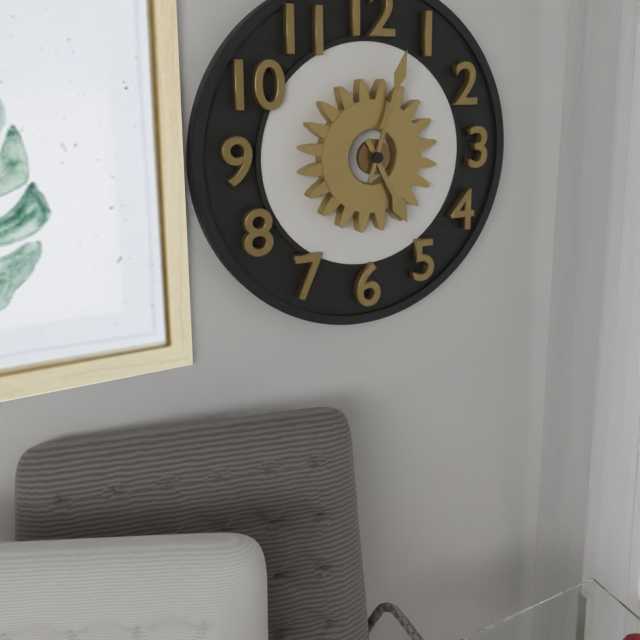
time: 5:03
